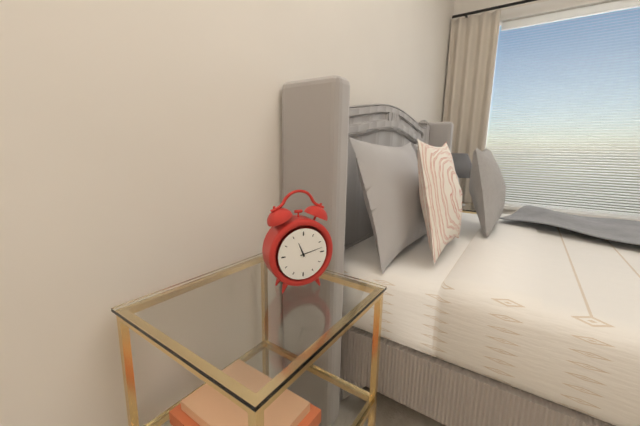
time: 11:13
